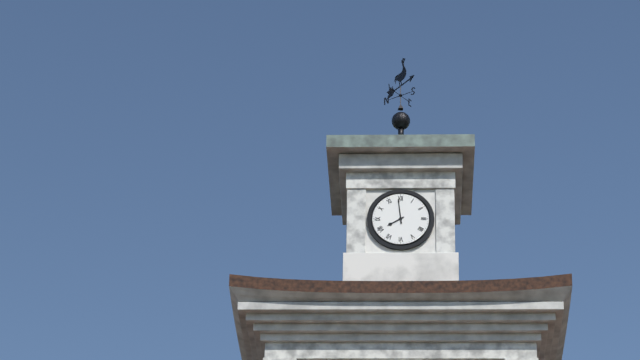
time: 7:59
